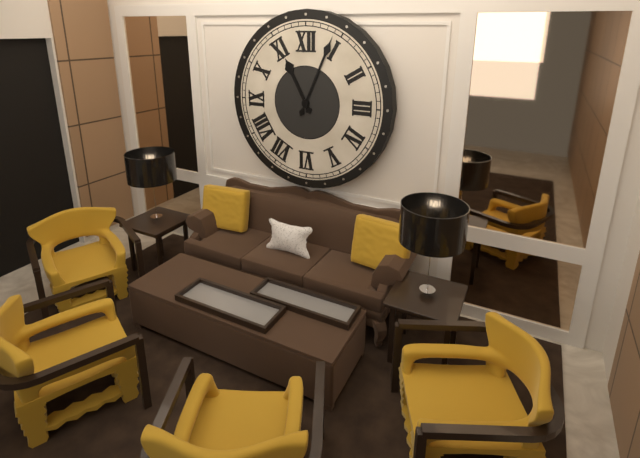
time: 11:04
